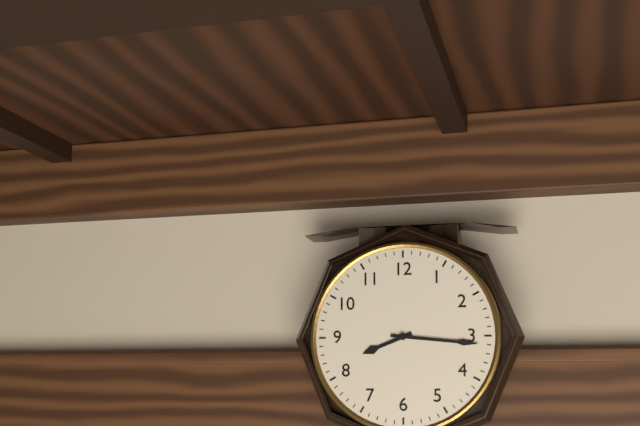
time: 8:16
